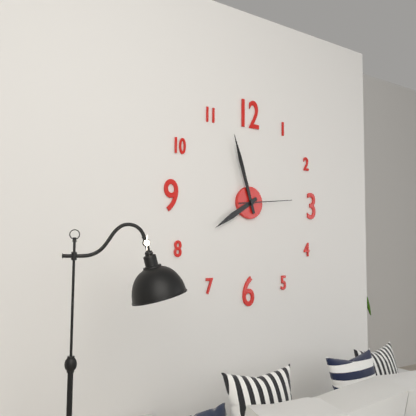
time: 7:57:14
